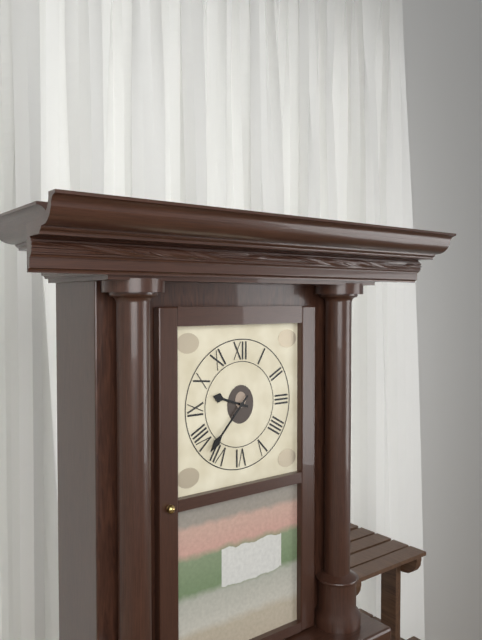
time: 9:37
